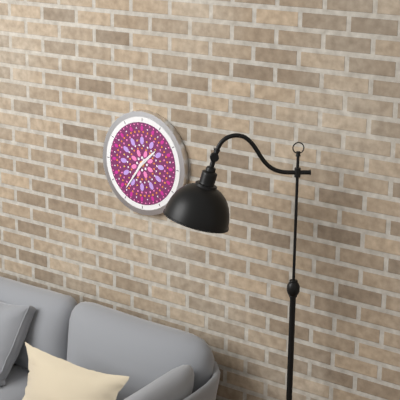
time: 1:36
